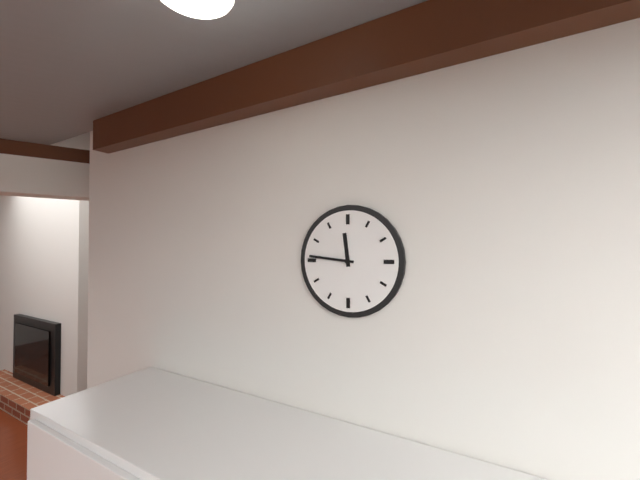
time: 11:46
